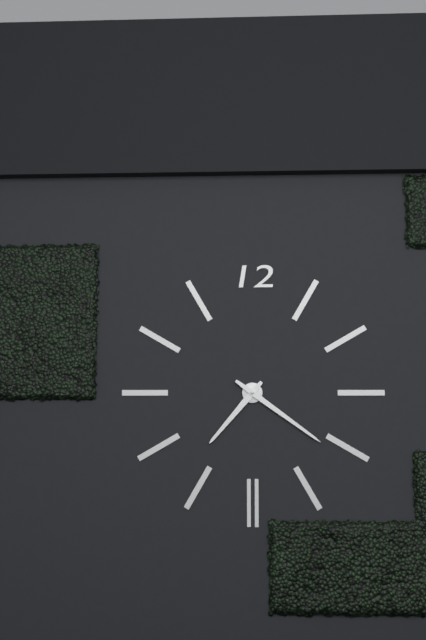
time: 7:21
